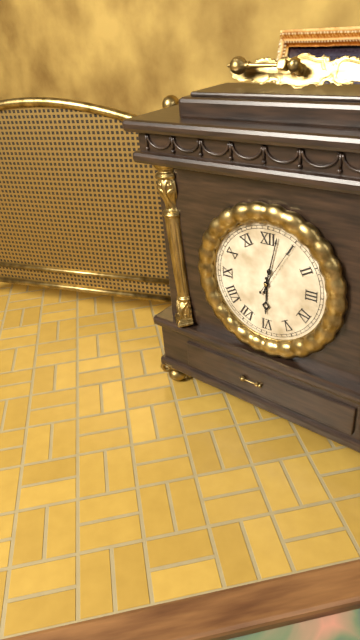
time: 6:02:05
